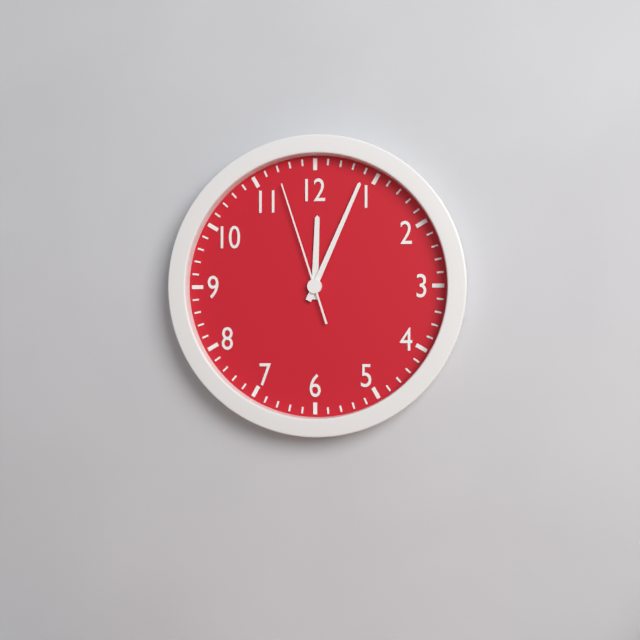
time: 12:04:57
